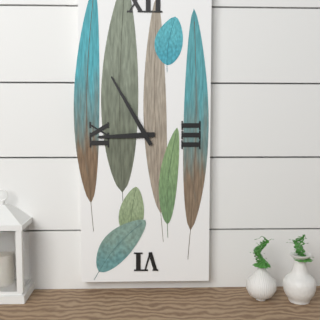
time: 8:55
